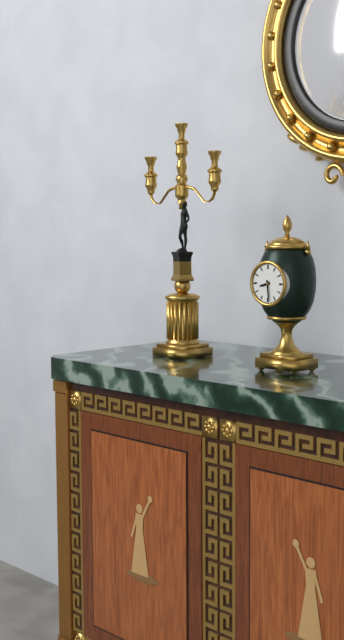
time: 8:29
